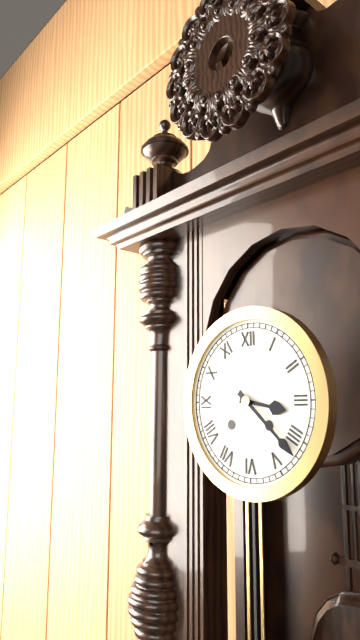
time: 3:22
